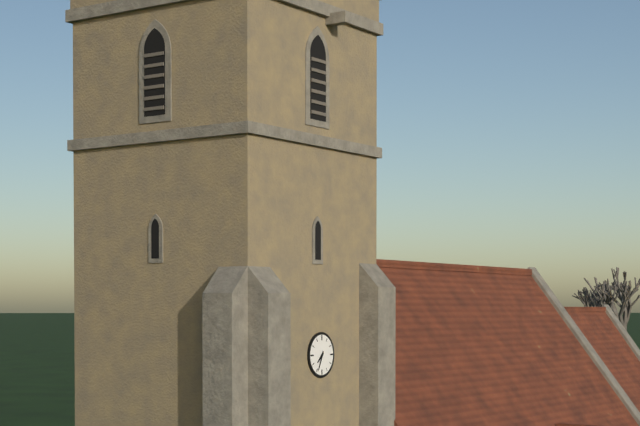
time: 7:34
